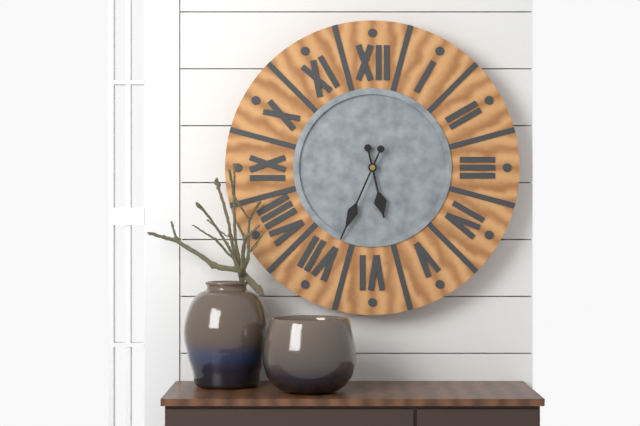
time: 5:34
